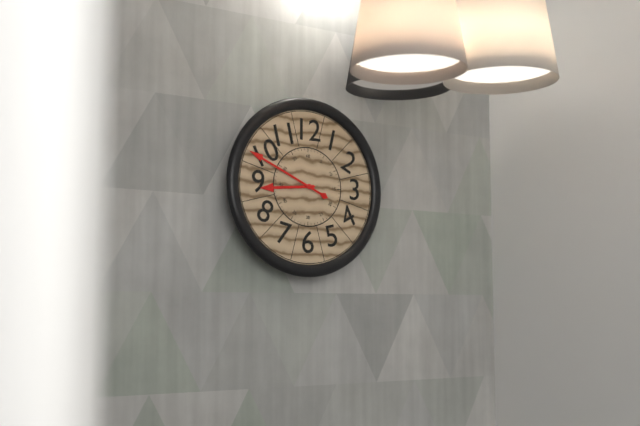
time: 8:49
